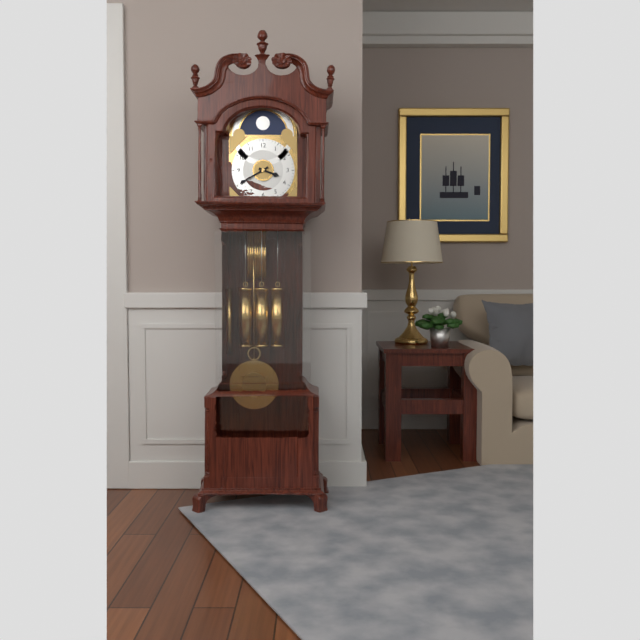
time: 3:40
